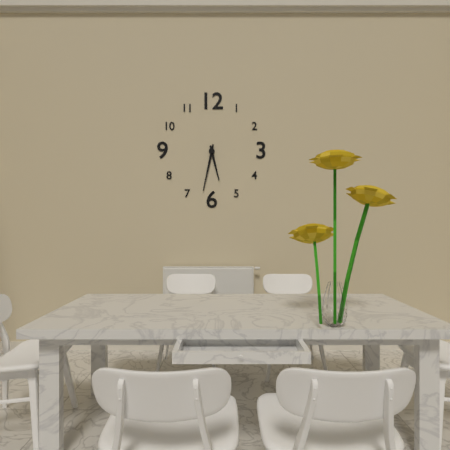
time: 5:32
